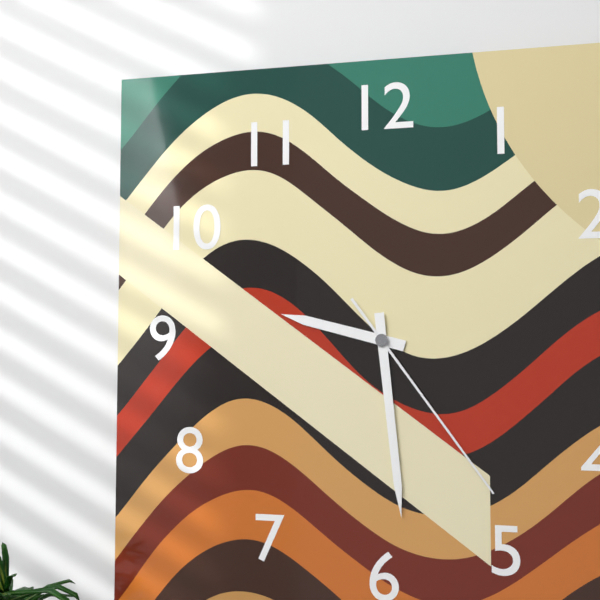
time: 9:29:24
